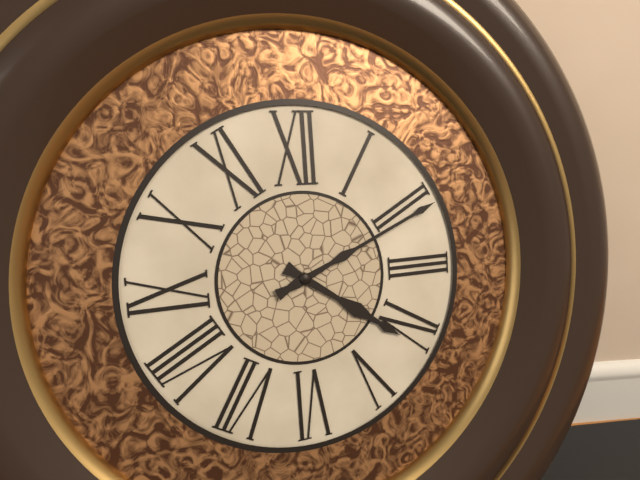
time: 4:11
